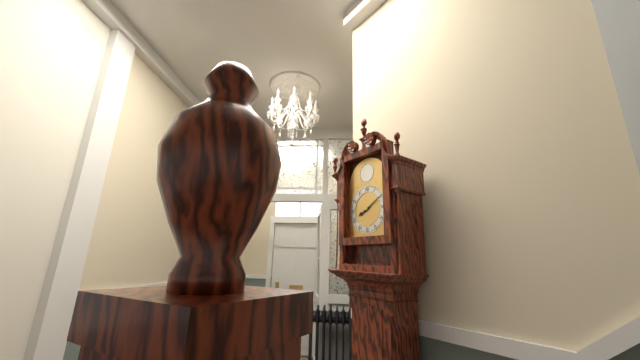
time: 8:10
